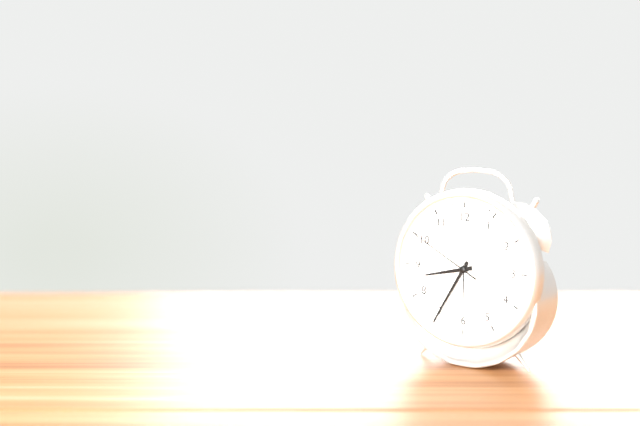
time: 8:35:50
